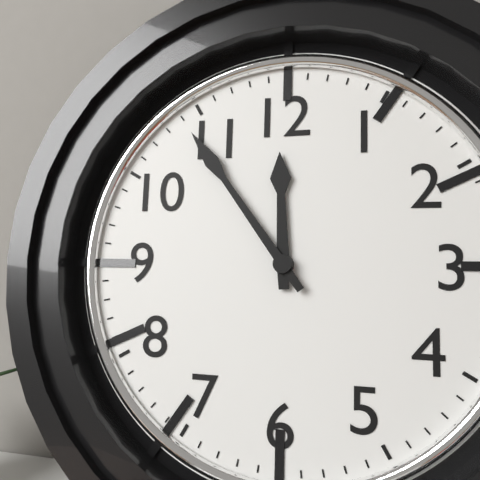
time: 11:54
